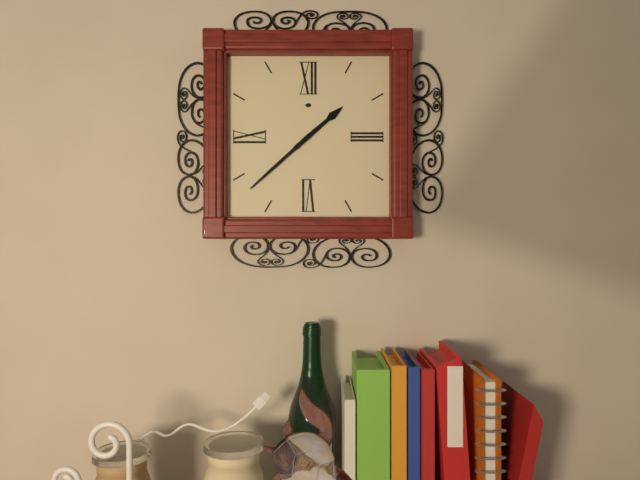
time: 1:38
